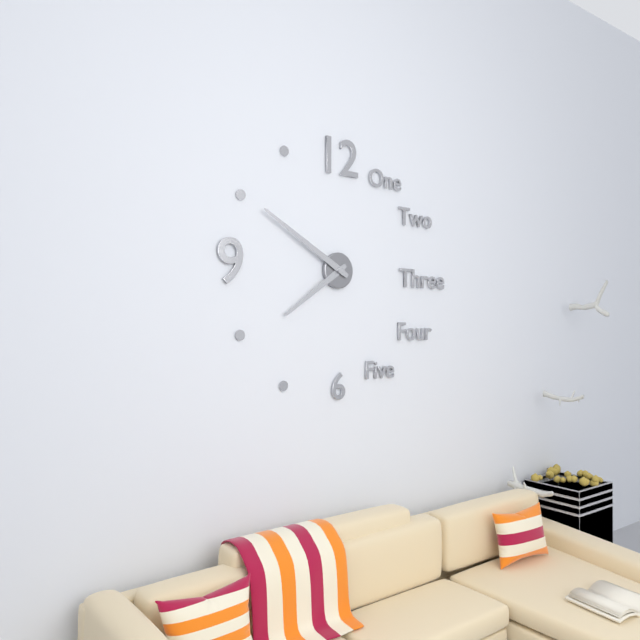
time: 7:50
